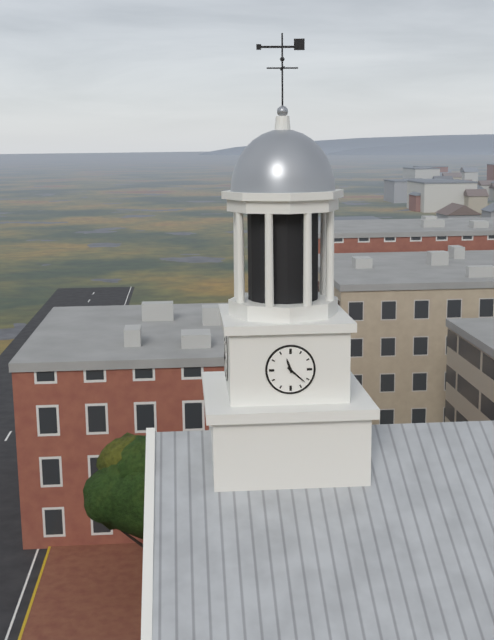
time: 11:22
